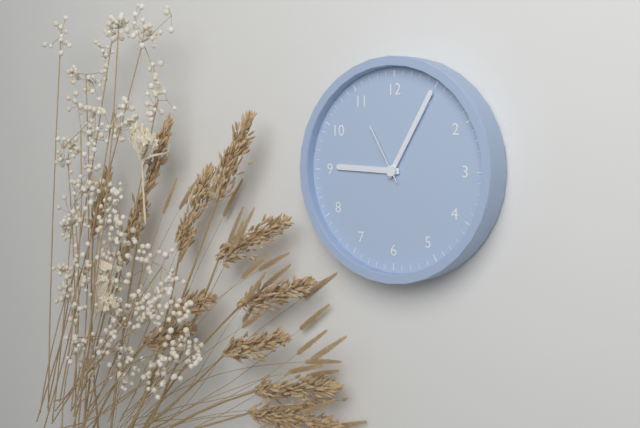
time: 9:05:55
